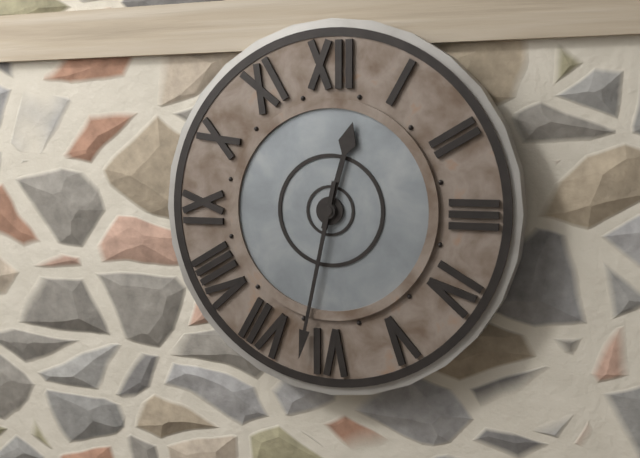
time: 12:32
